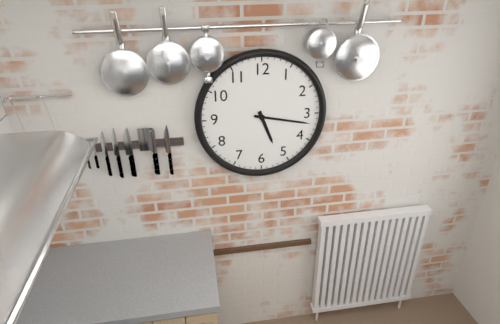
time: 5:17
